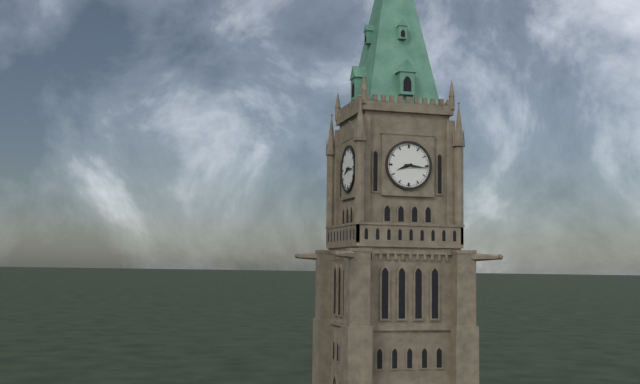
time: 8:16
